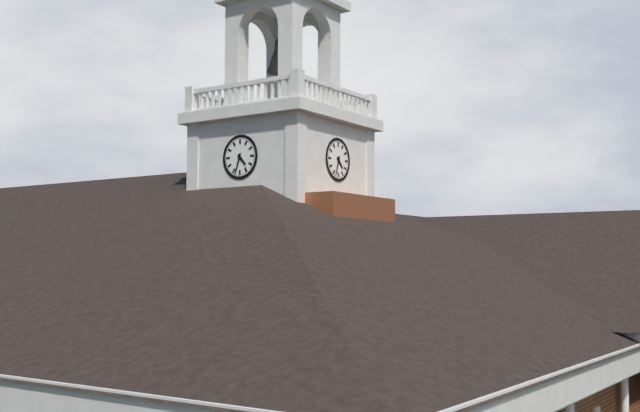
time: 4:33
